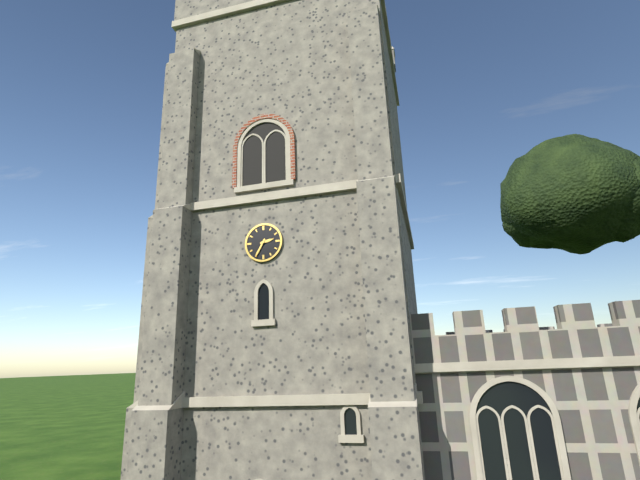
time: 2:35
